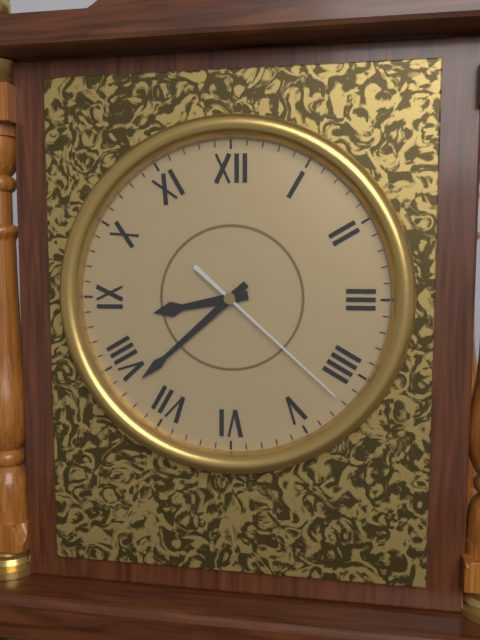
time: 8:38:22
